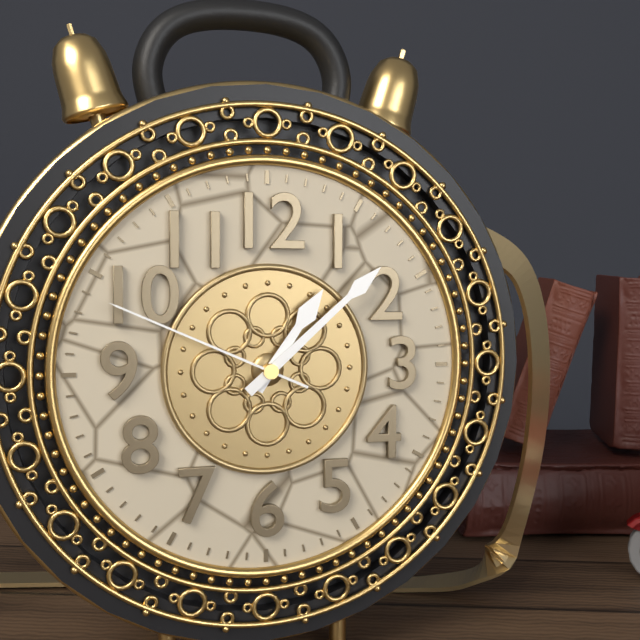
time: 1:08:49
